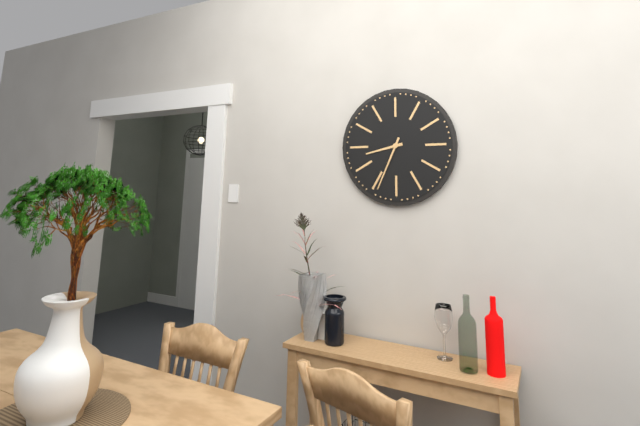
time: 8:34
